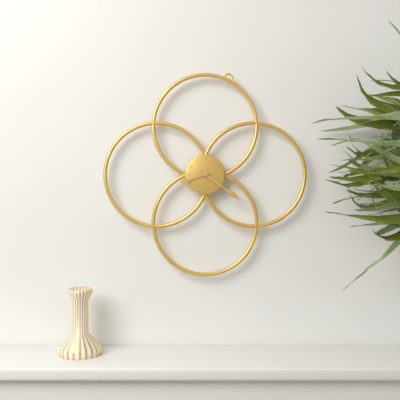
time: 8:21
